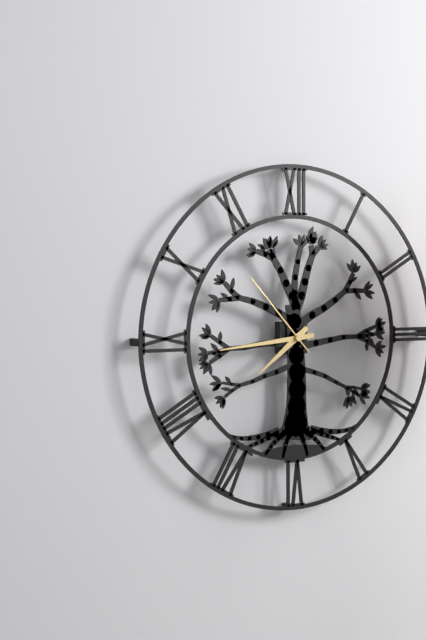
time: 7:44:53
